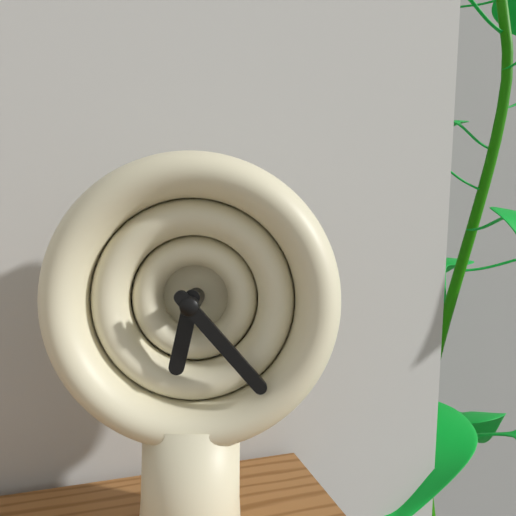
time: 6:23
